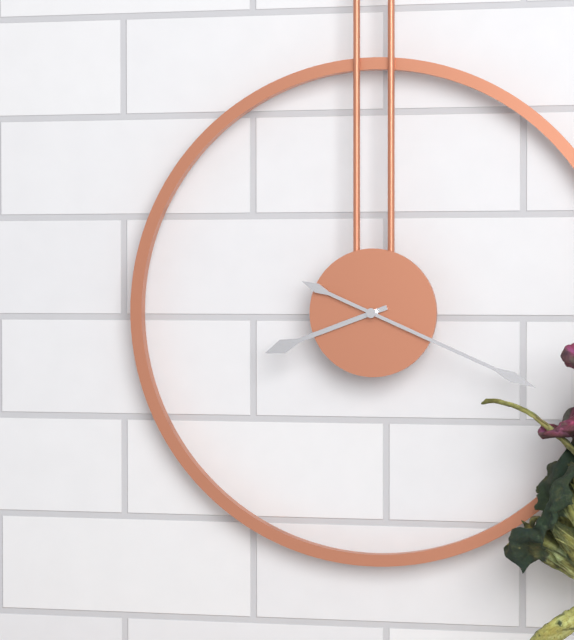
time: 8:19
